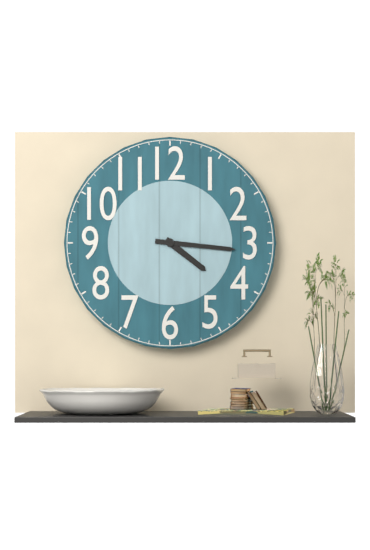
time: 4:16
